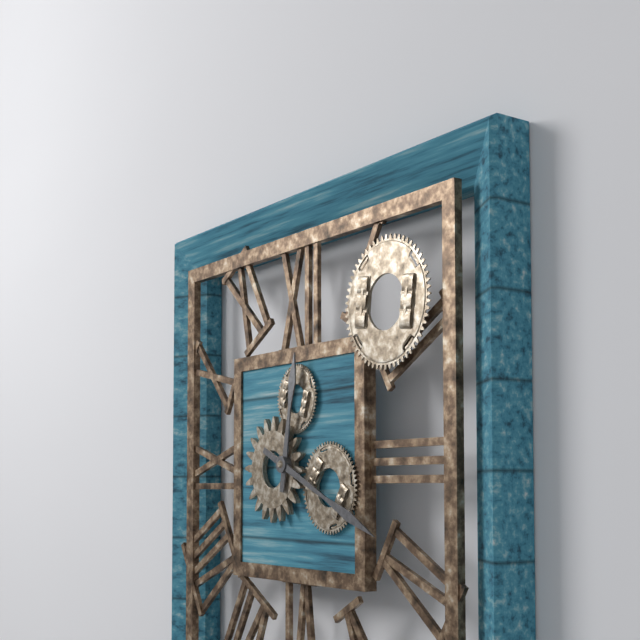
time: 12:19
